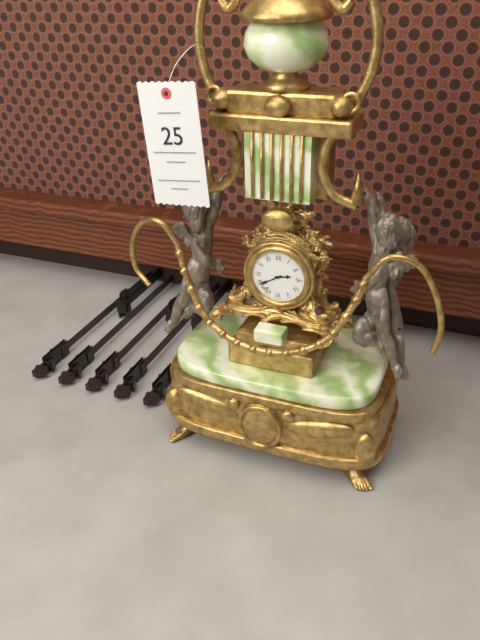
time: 2:40
